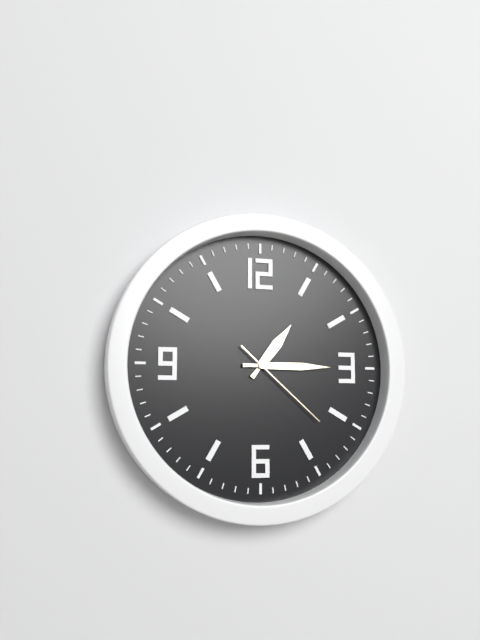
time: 1:15:22
